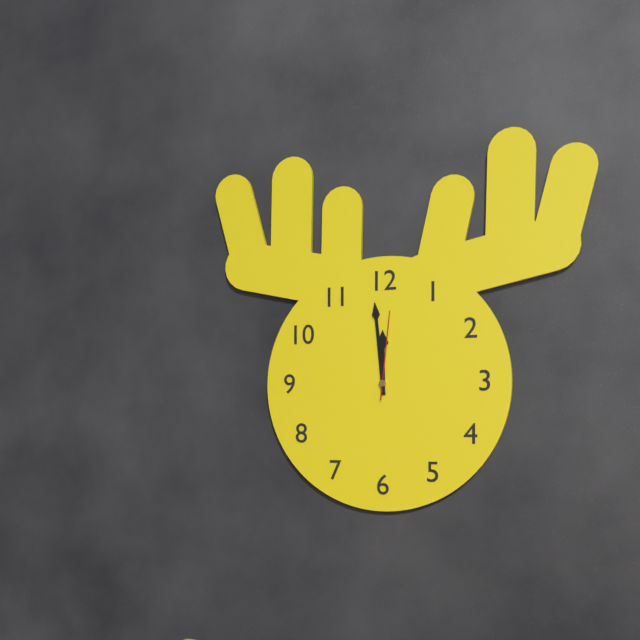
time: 11:59:01
